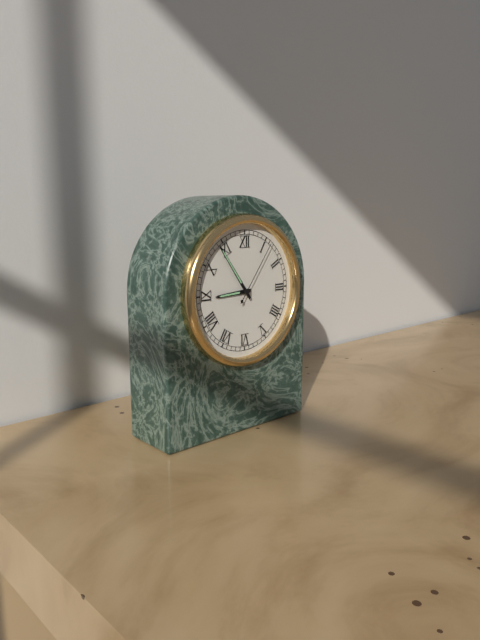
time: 8:54:06
